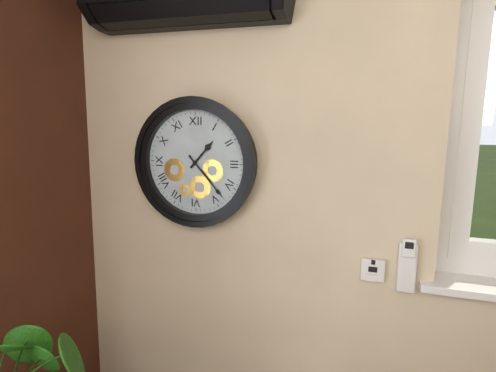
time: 1:23
